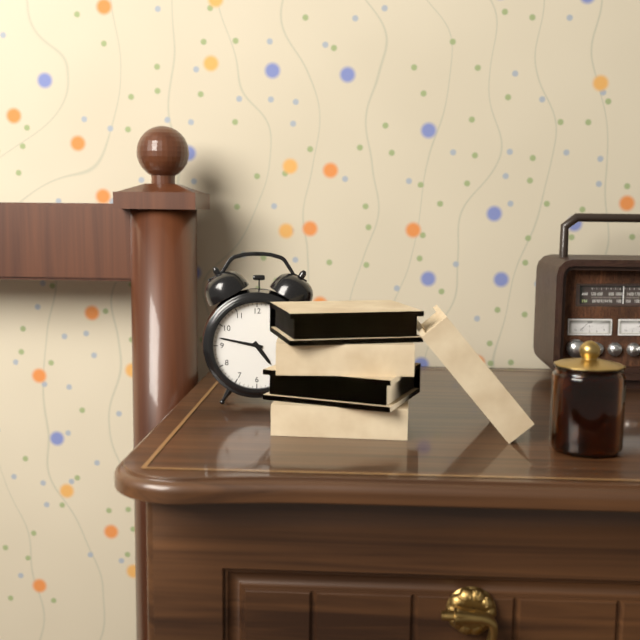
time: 4:47
